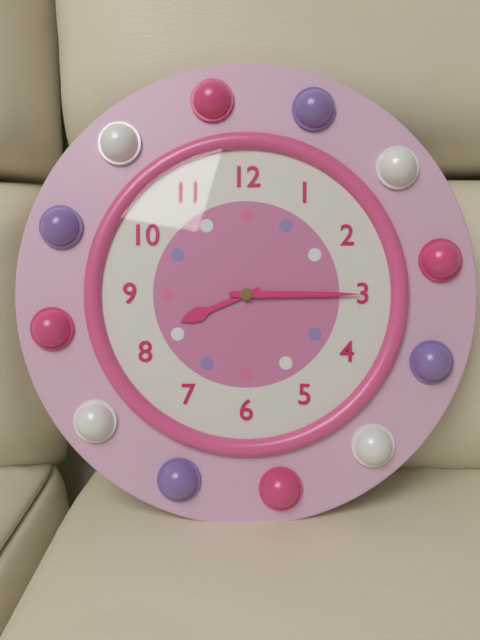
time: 8:15
